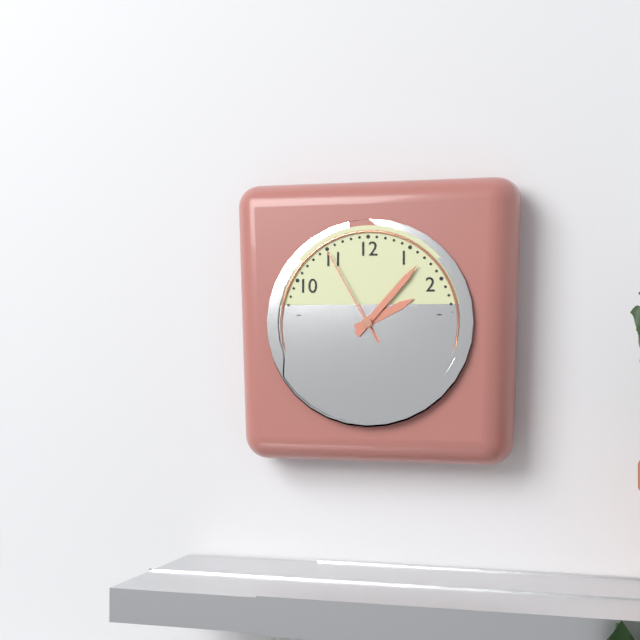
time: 2:07:55
